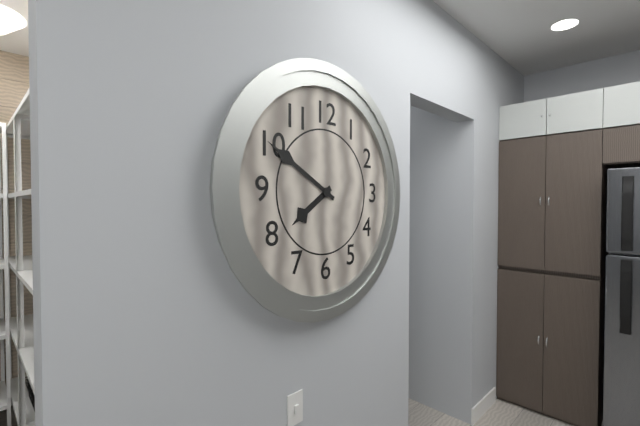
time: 7:50
